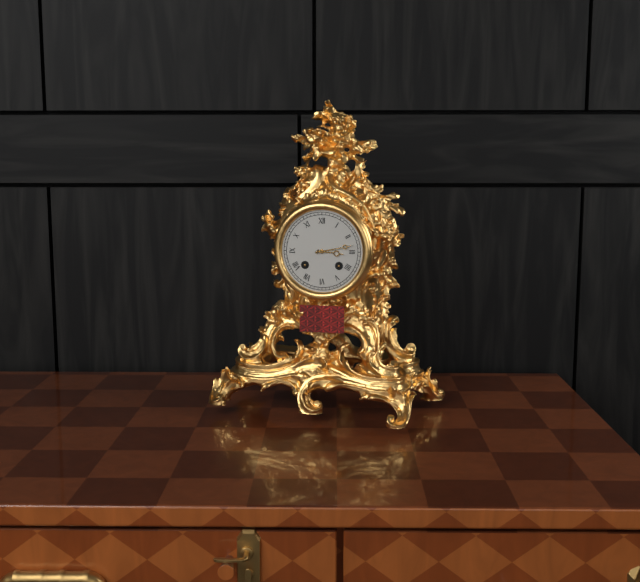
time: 3:13
